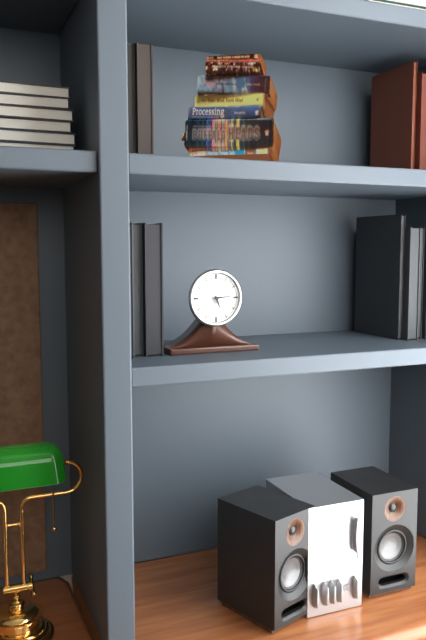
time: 5:14
